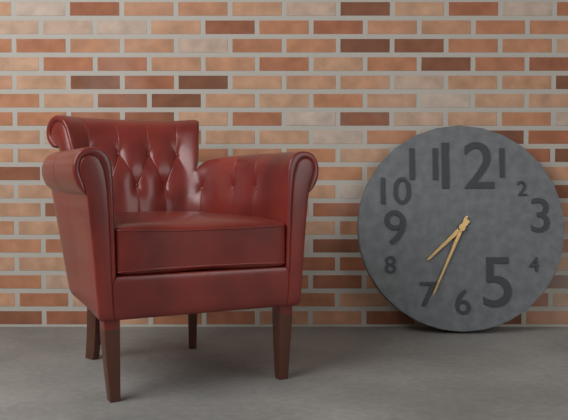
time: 7:34
